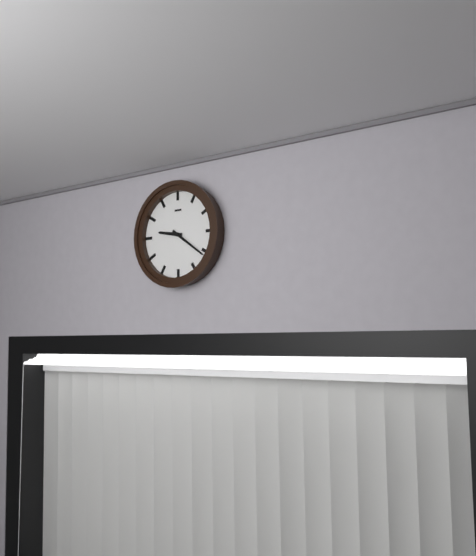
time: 9:21
